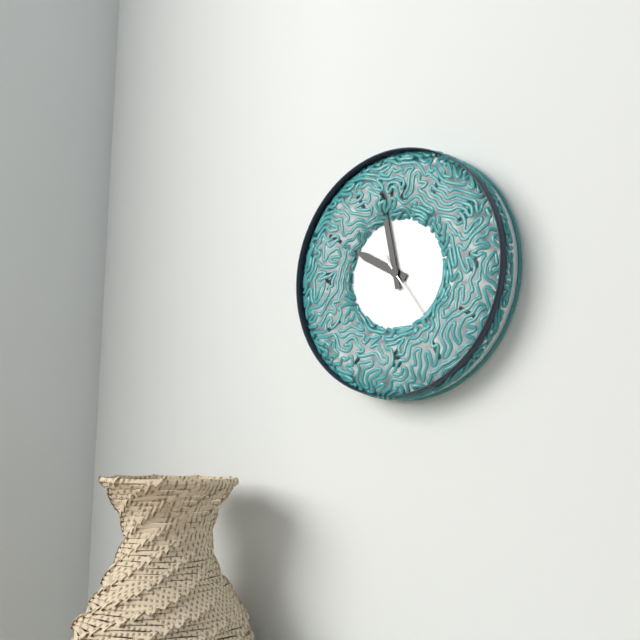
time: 9:58:24
